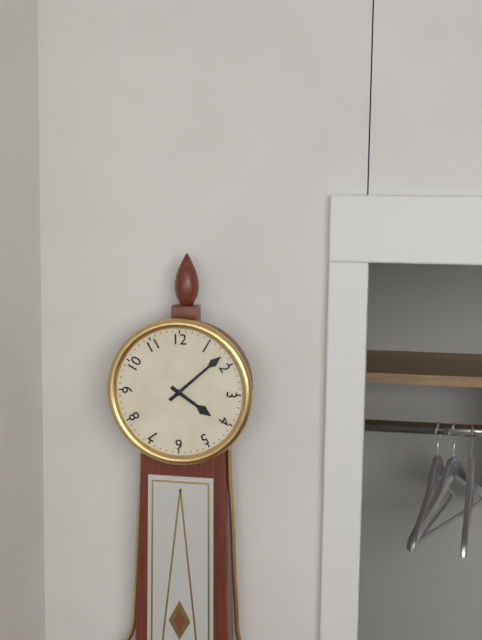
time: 4:08
